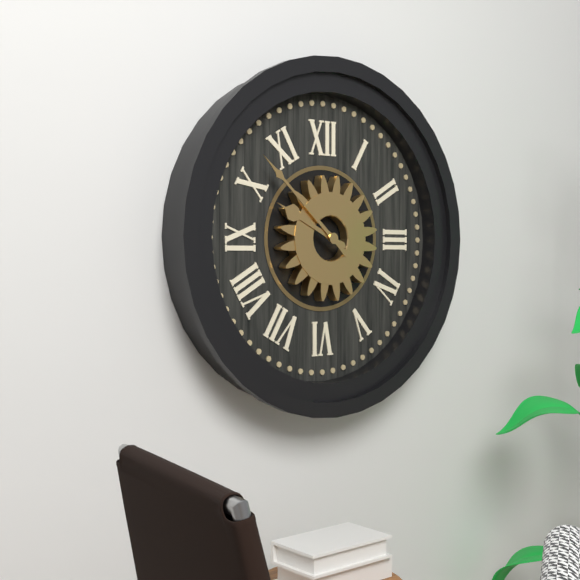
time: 9:52
